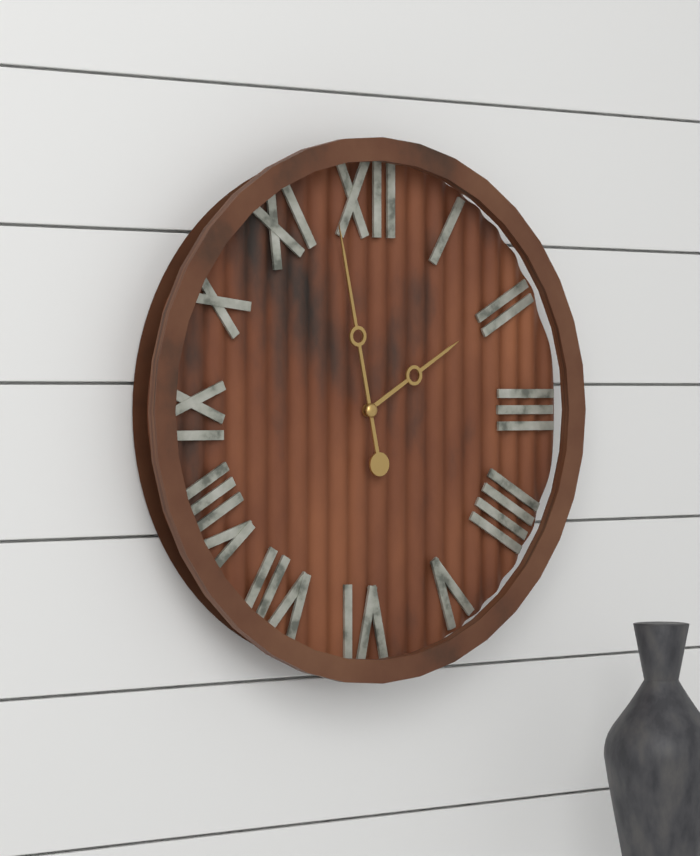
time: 1:58
